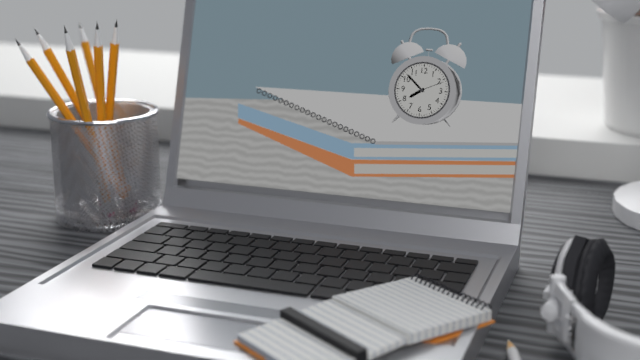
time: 7:52
